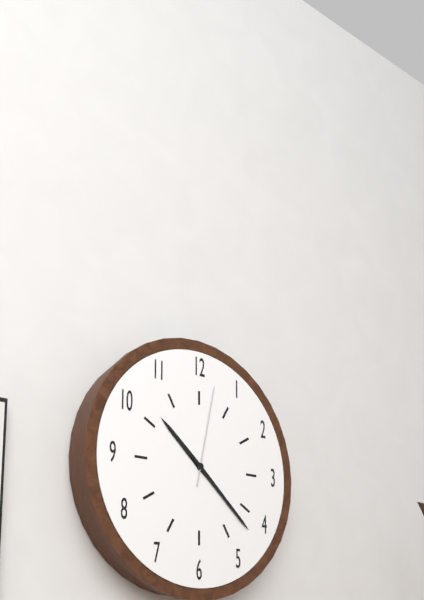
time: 10:22:02
